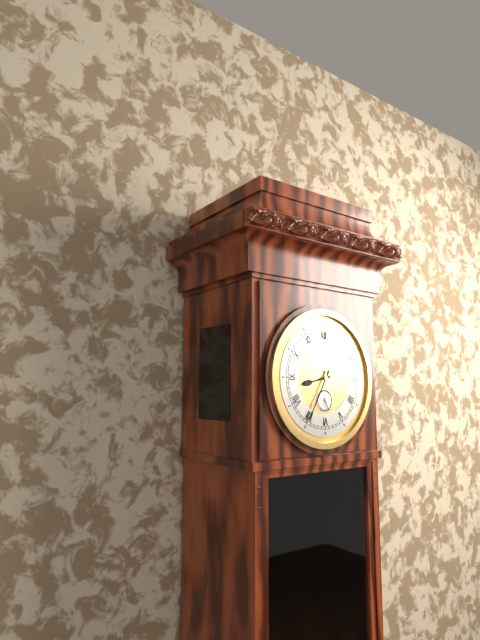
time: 8:35
